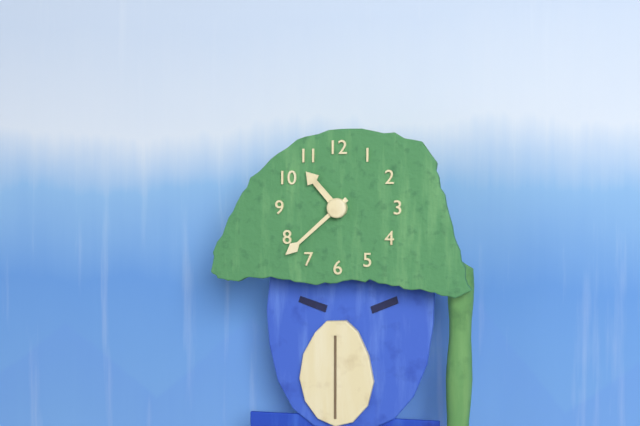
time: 10:38
